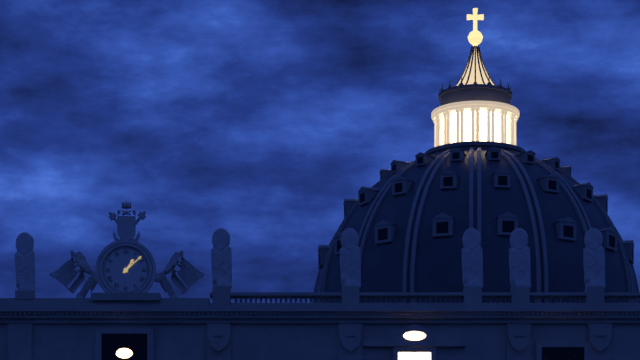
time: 1:08
